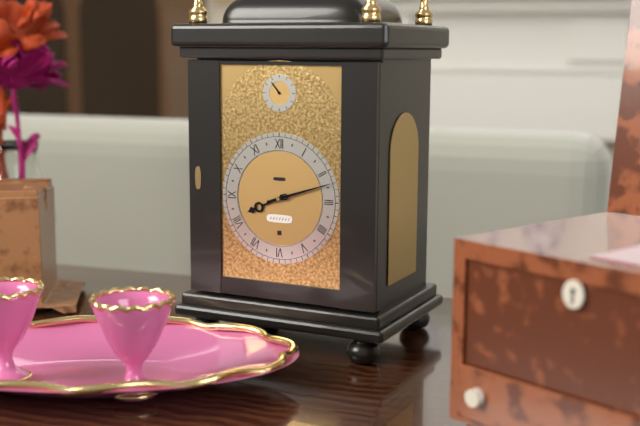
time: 8:12
